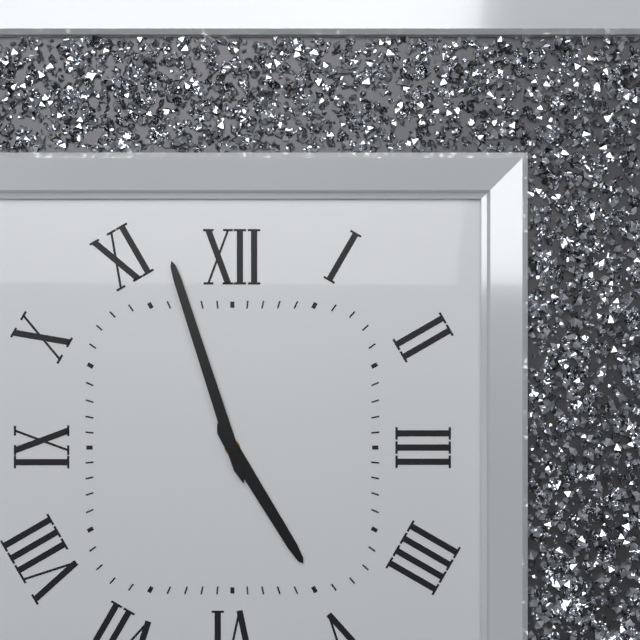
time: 4:57
